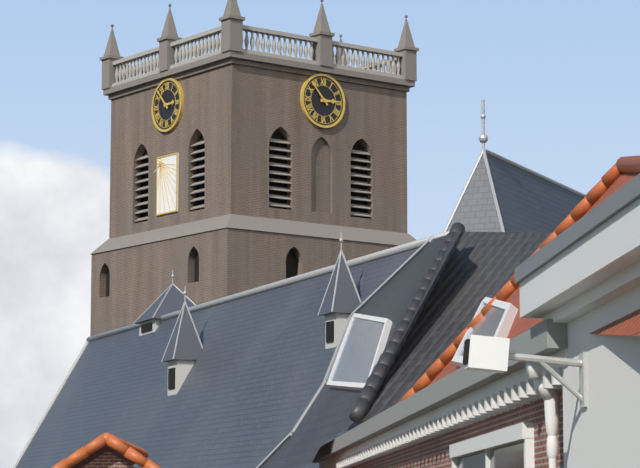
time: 2:53
